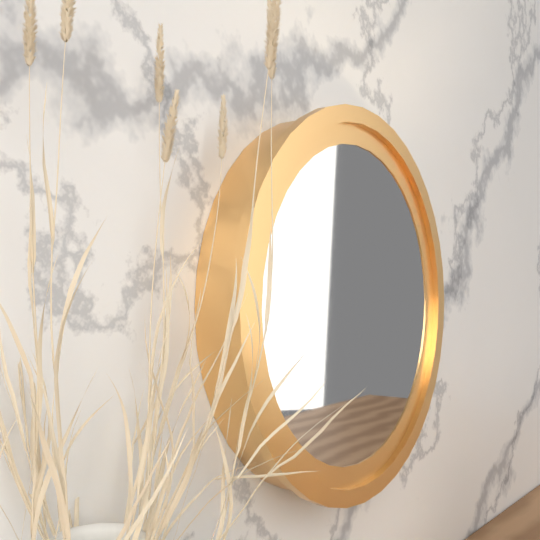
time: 12:46:16
